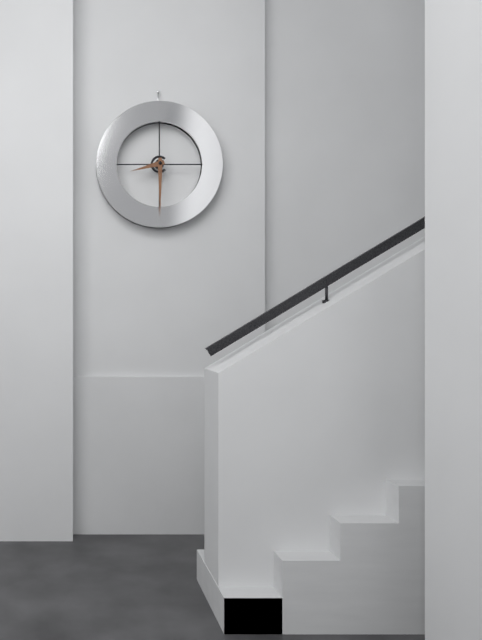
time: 8:30
